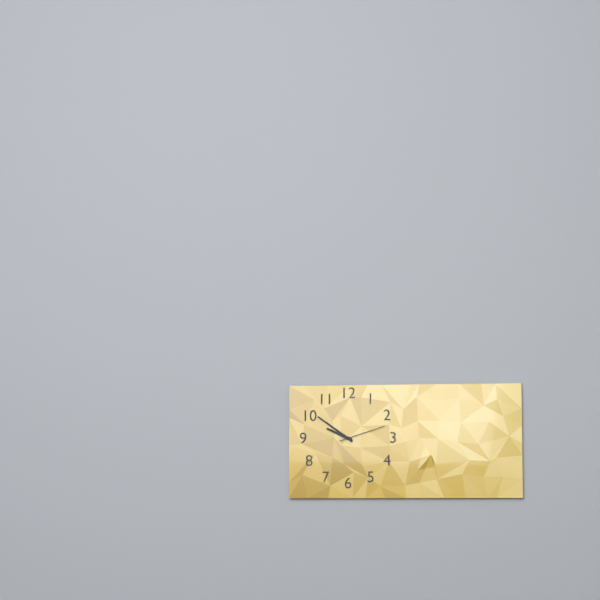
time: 9:51
